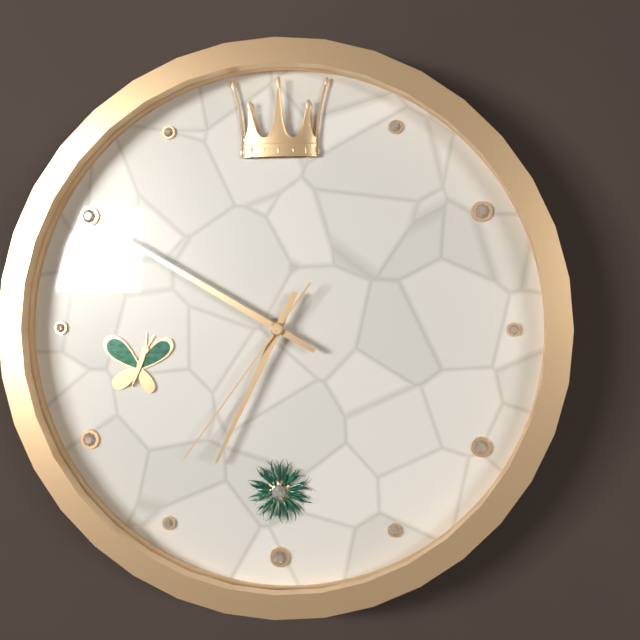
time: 6:50:36
